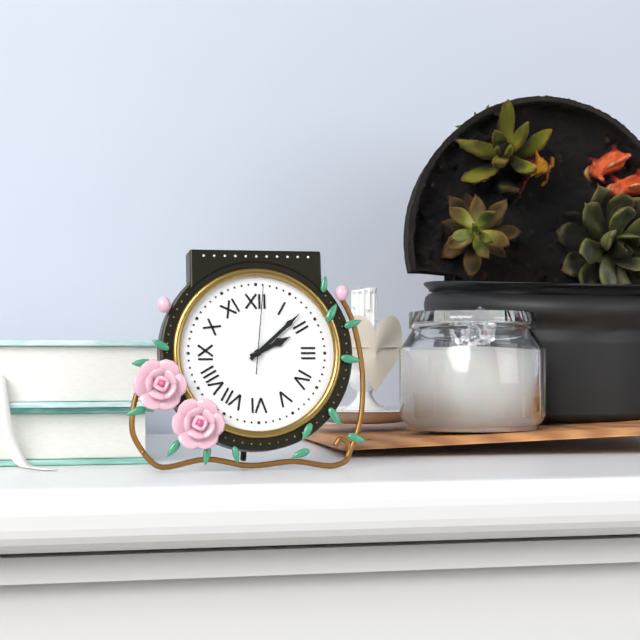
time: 2:08:01
